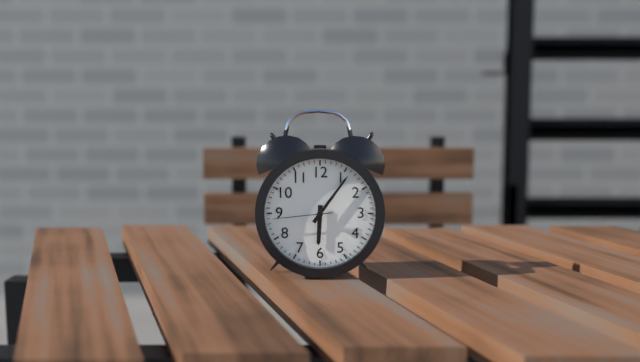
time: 6:06:44
